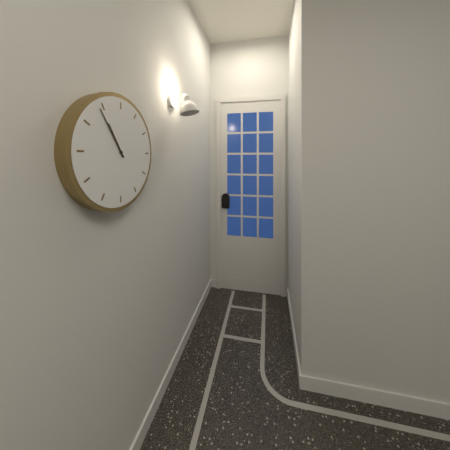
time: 10:54
